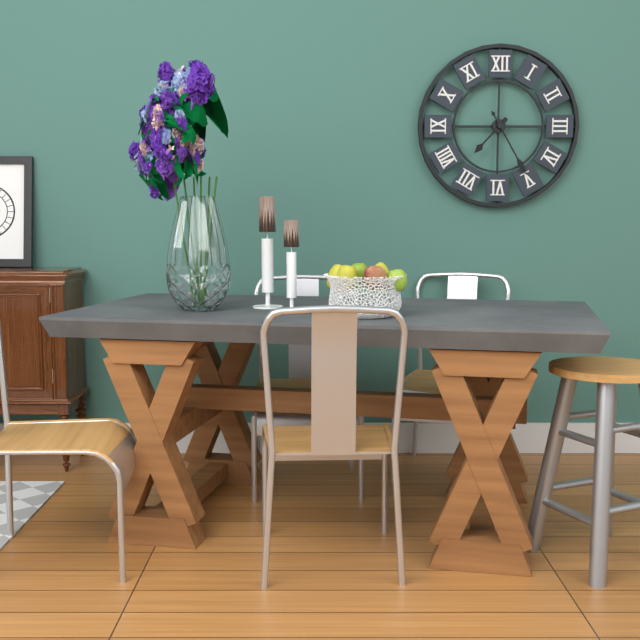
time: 7:25
